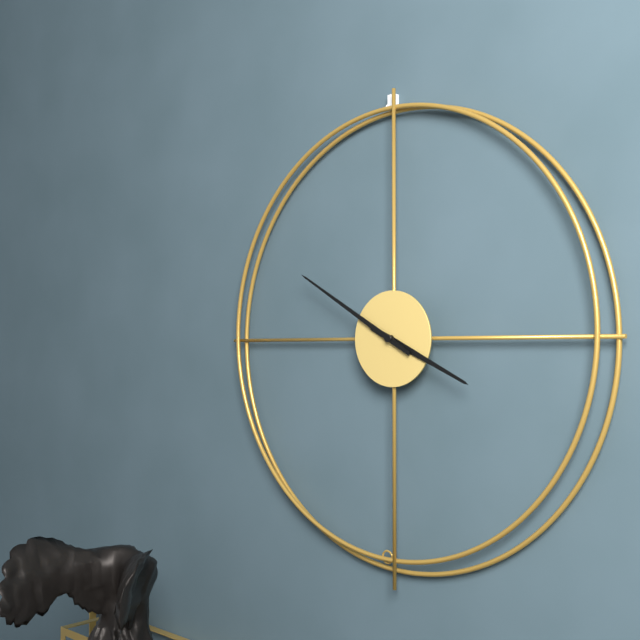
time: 3:50
